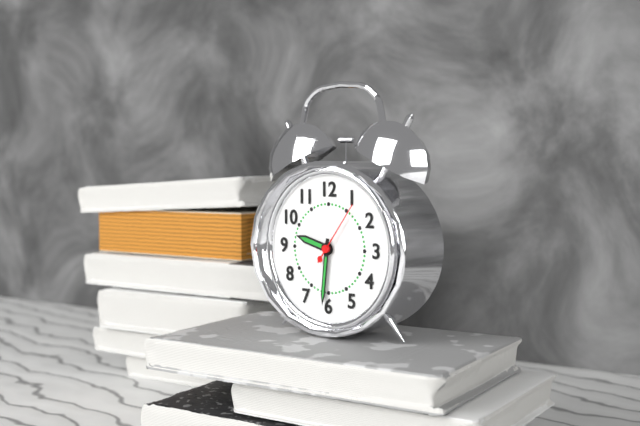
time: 9:31:06
